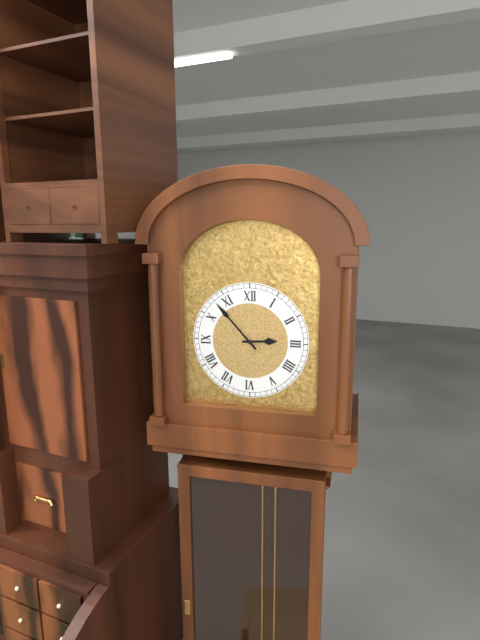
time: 2:53
